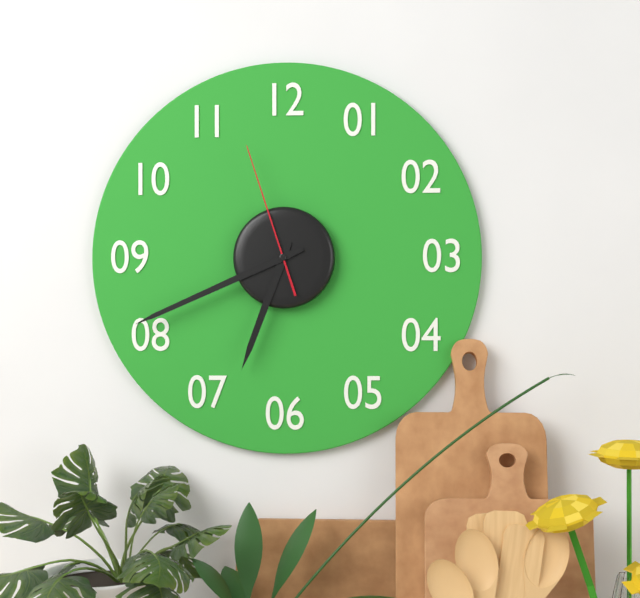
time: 6:41:57
